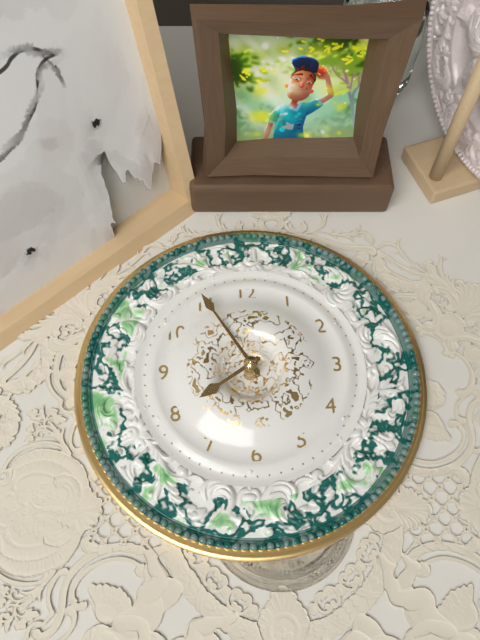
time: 7:55
